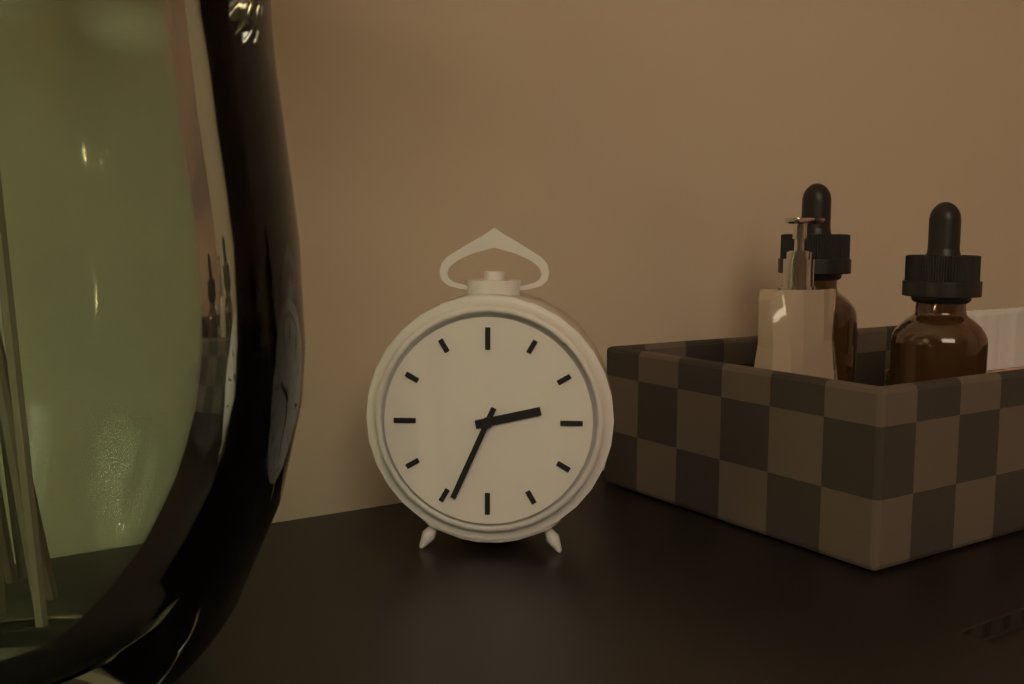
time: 2:34
